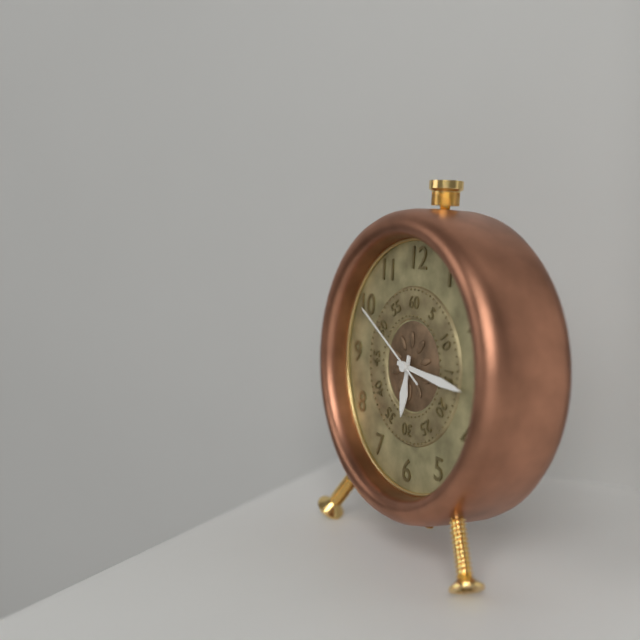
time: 6:16:50
